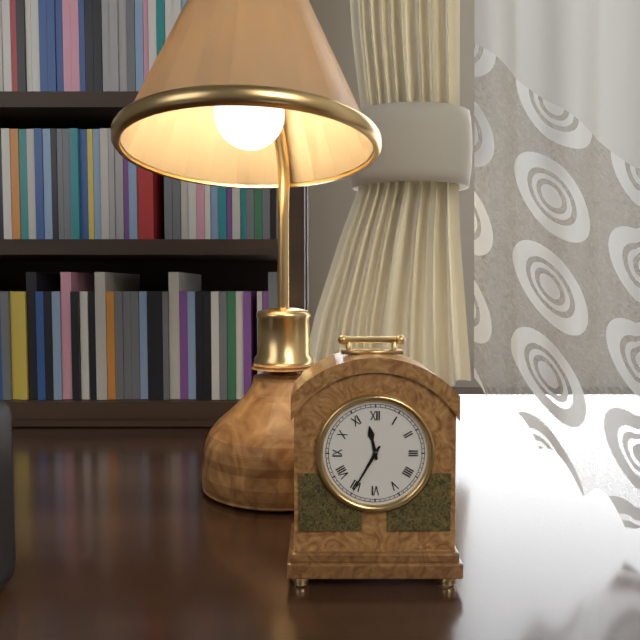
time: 11:35
